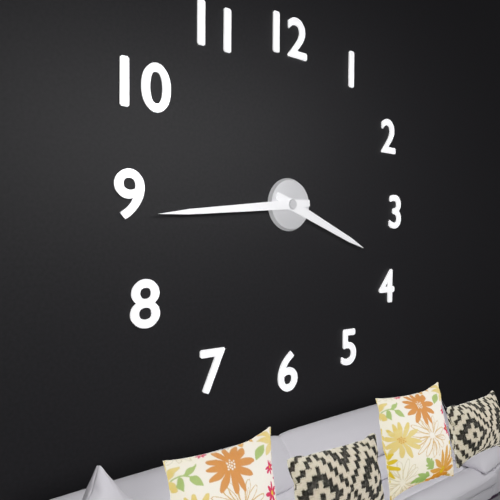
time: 3:44
